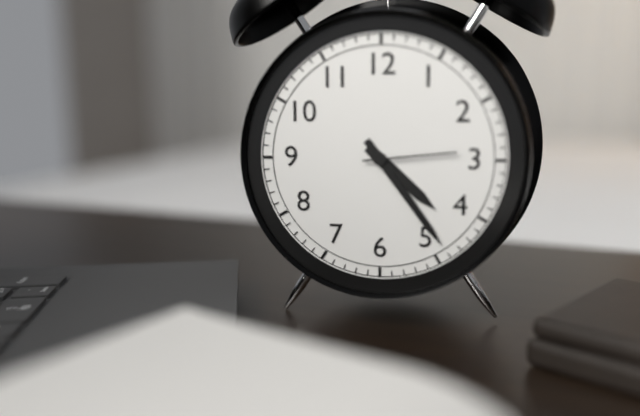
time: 4:24:14
